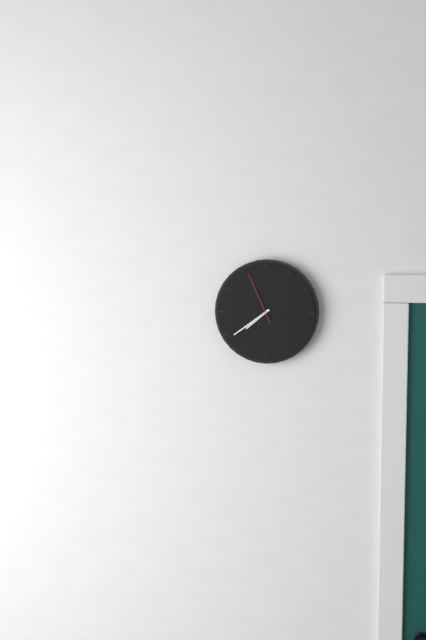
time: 7:39:56
